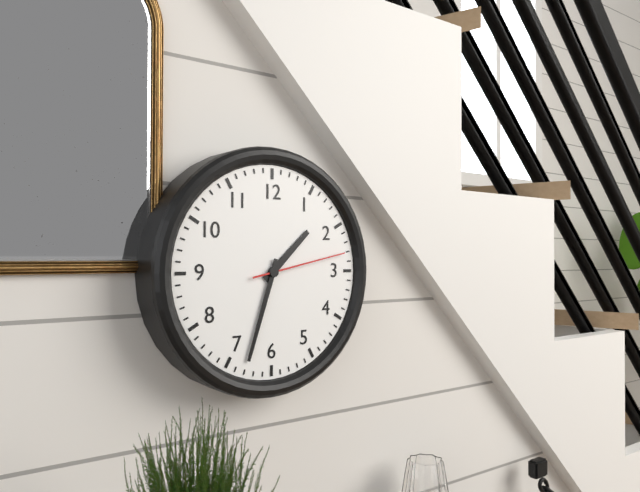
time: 1:33:13
